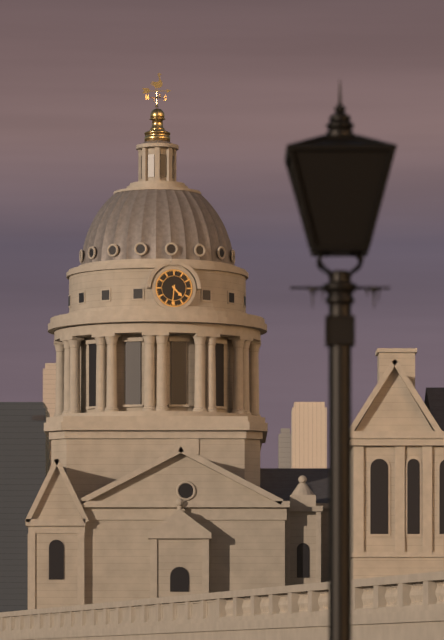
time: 4:31
